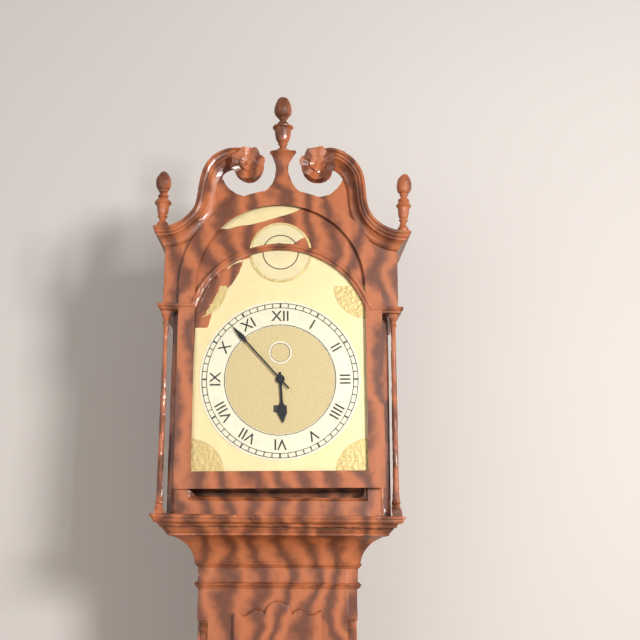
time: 5:53
